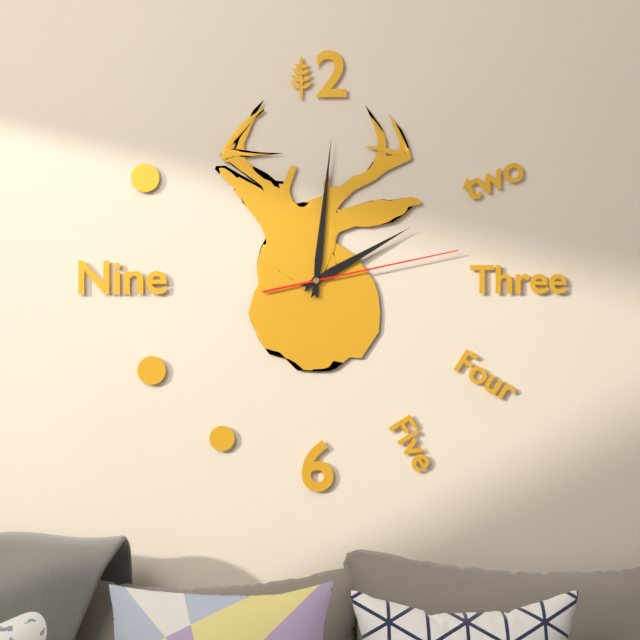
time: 2:01:13
